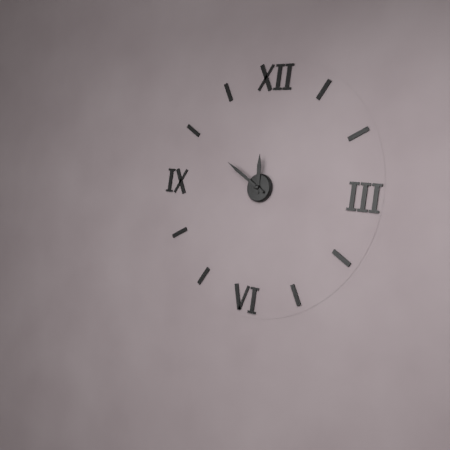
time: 11:50
